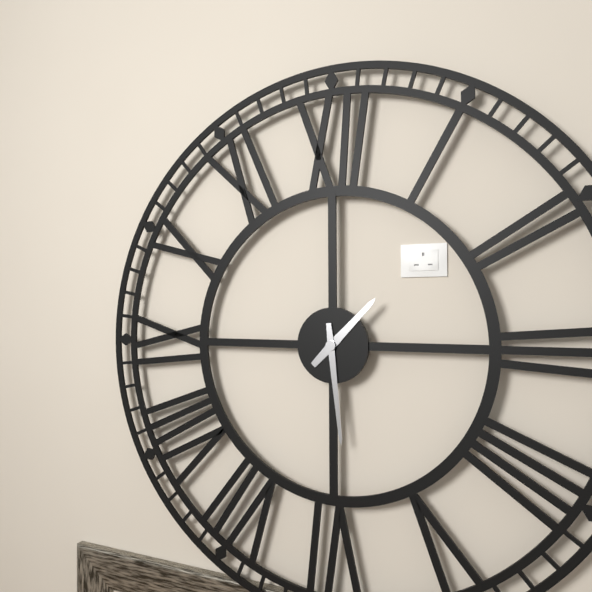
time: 1:29
